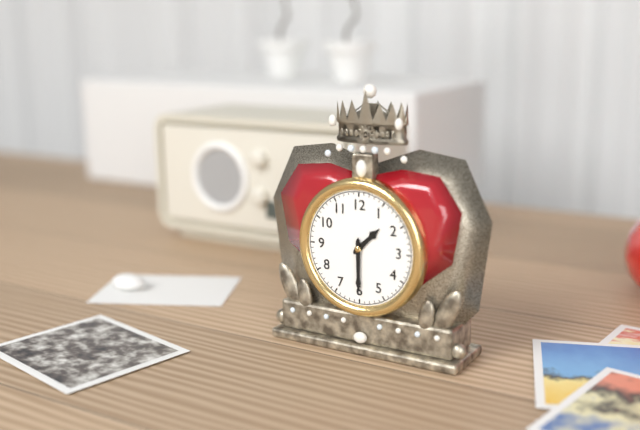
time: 1:30
